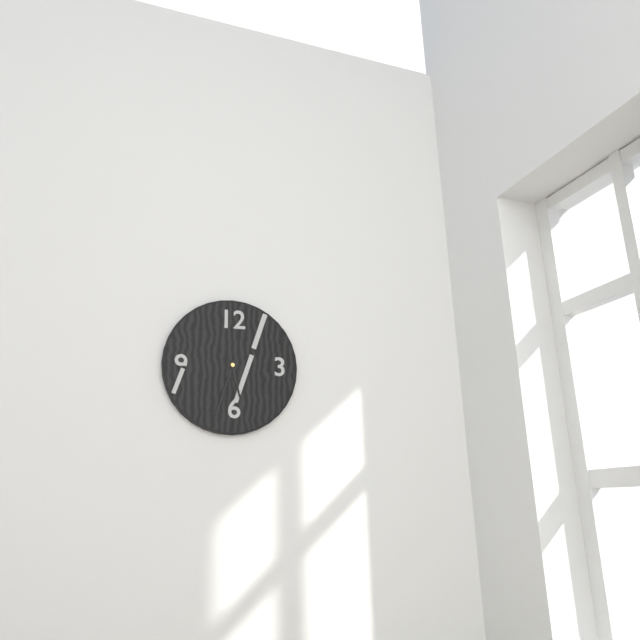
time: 5:33:32
